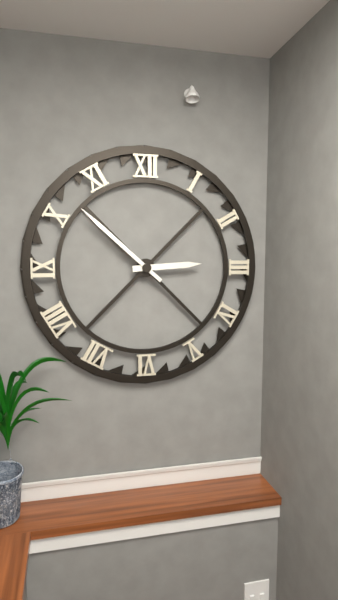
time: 2:52
